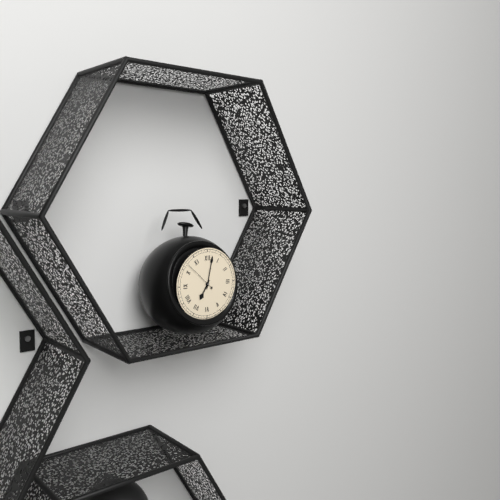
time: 7:02
